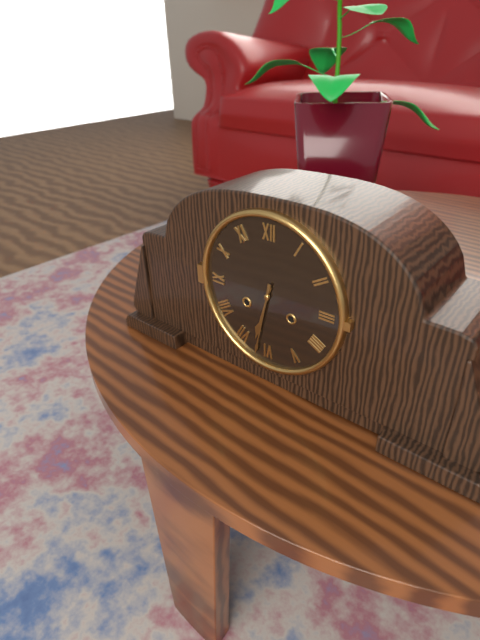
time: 6:32
